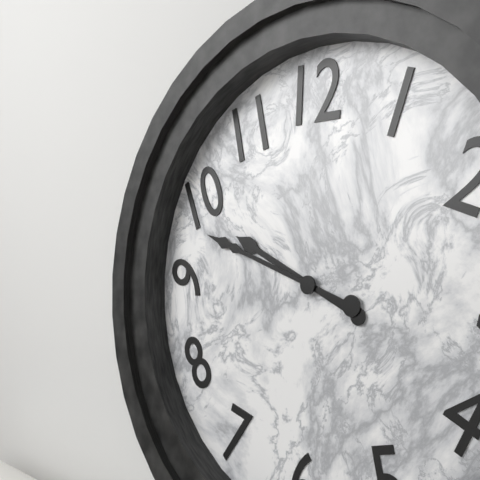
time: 9:48
